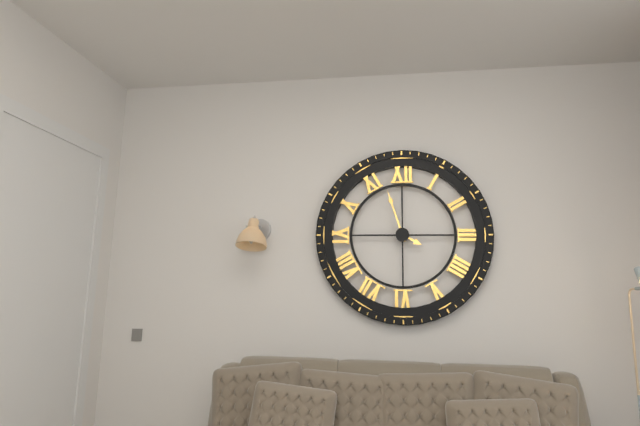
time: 3:57
